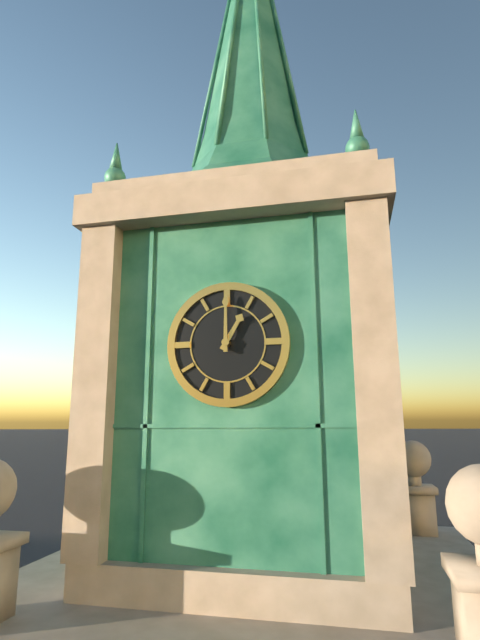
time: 1:00
